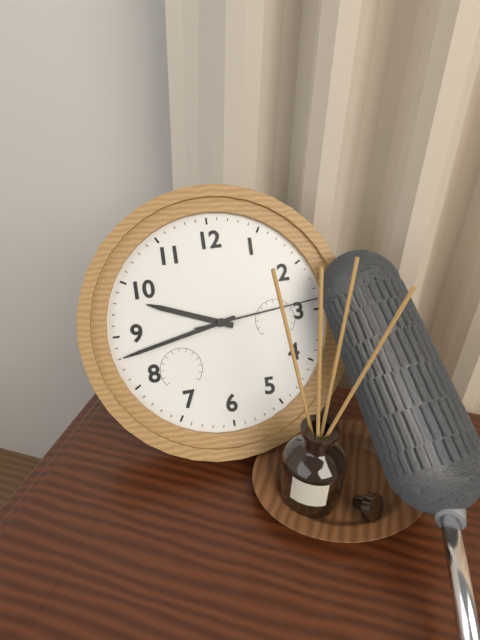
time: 9:43:14
